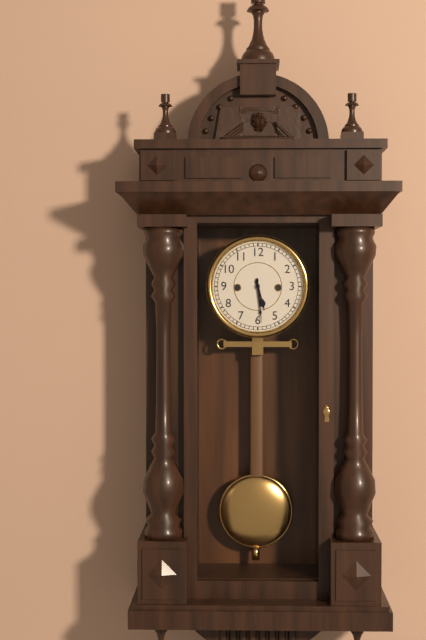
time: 5:29
